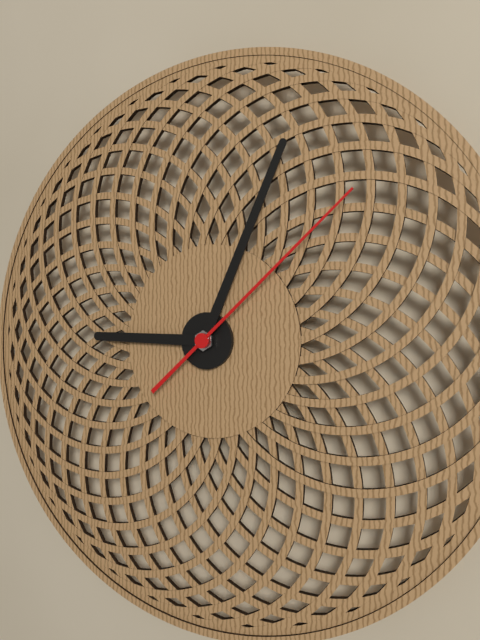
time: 9:04:08
